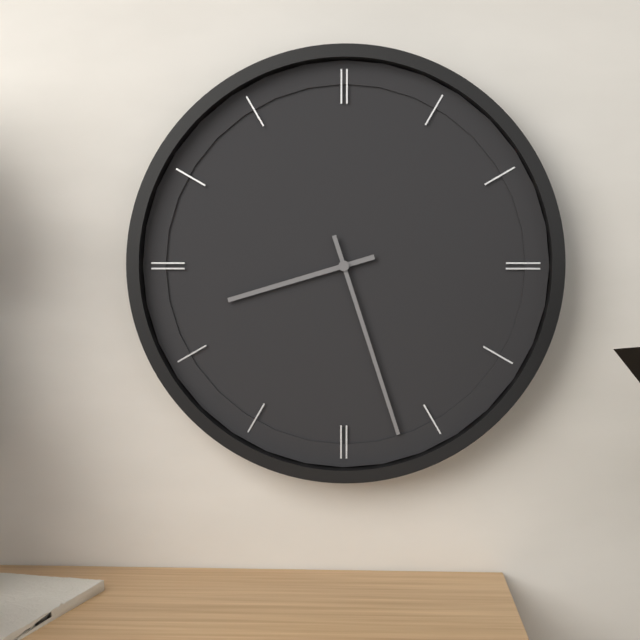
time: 8:27
